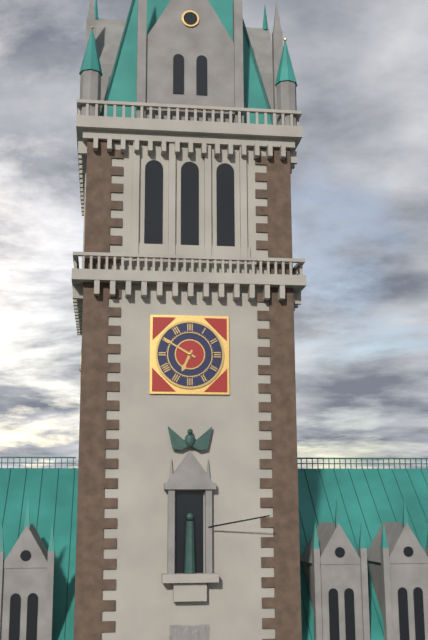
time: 6:50
